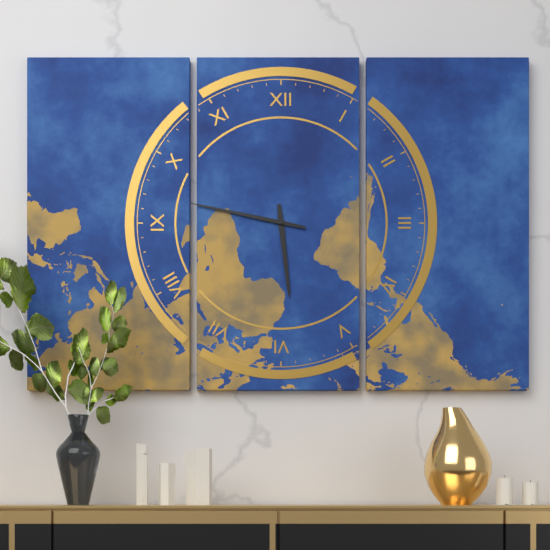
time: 5:47
